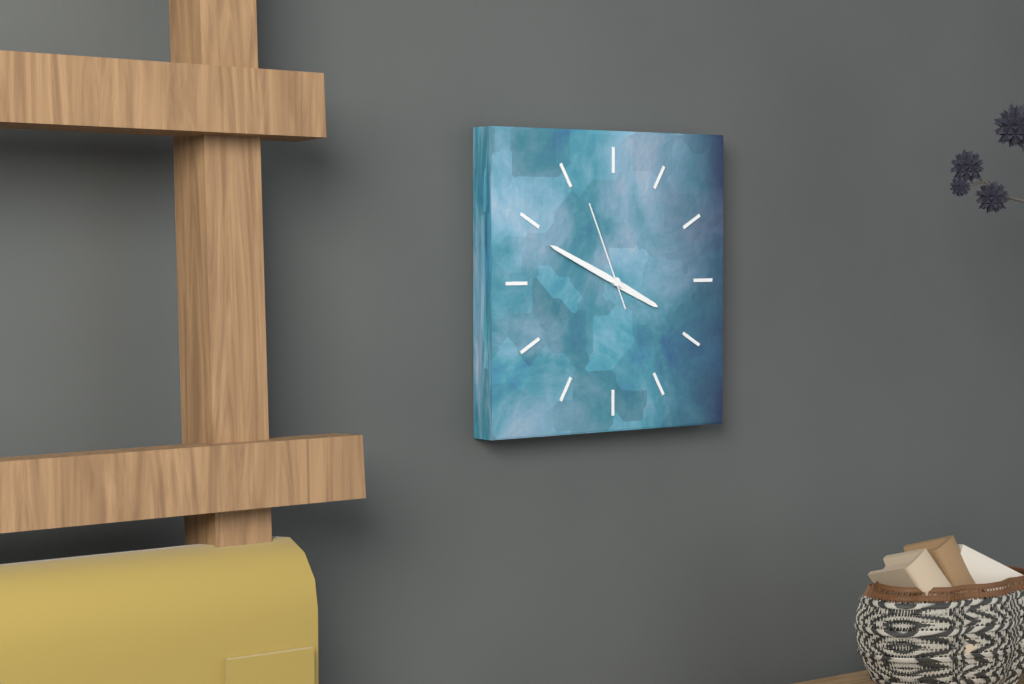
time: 3:49:56
